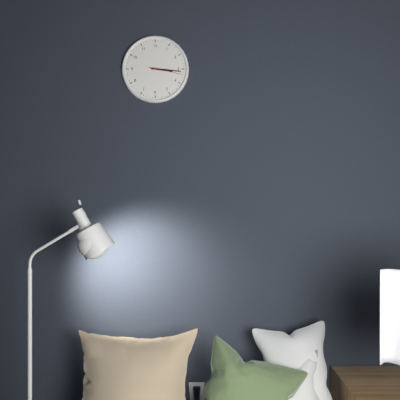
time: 3:16
